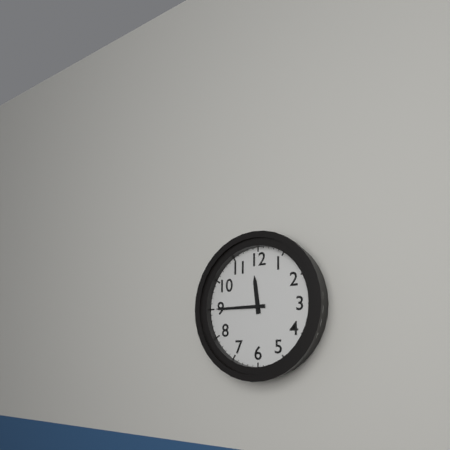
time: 11:45
